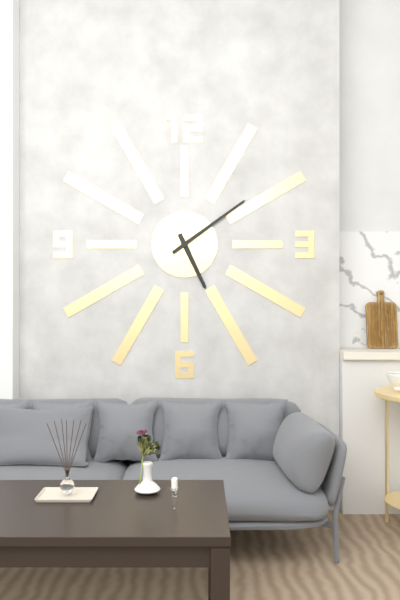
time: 5:09
